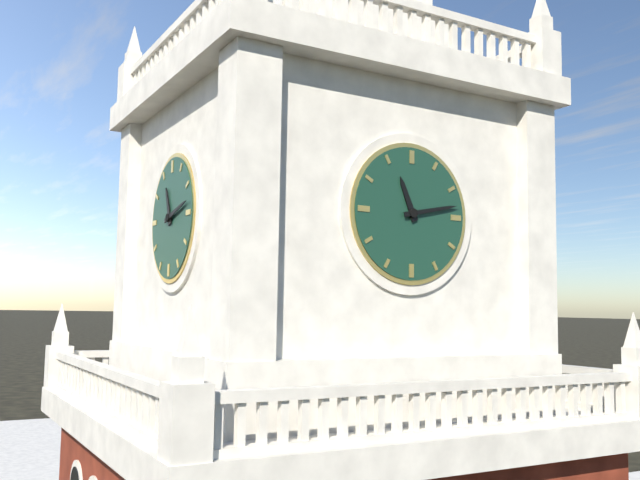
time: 11:13
